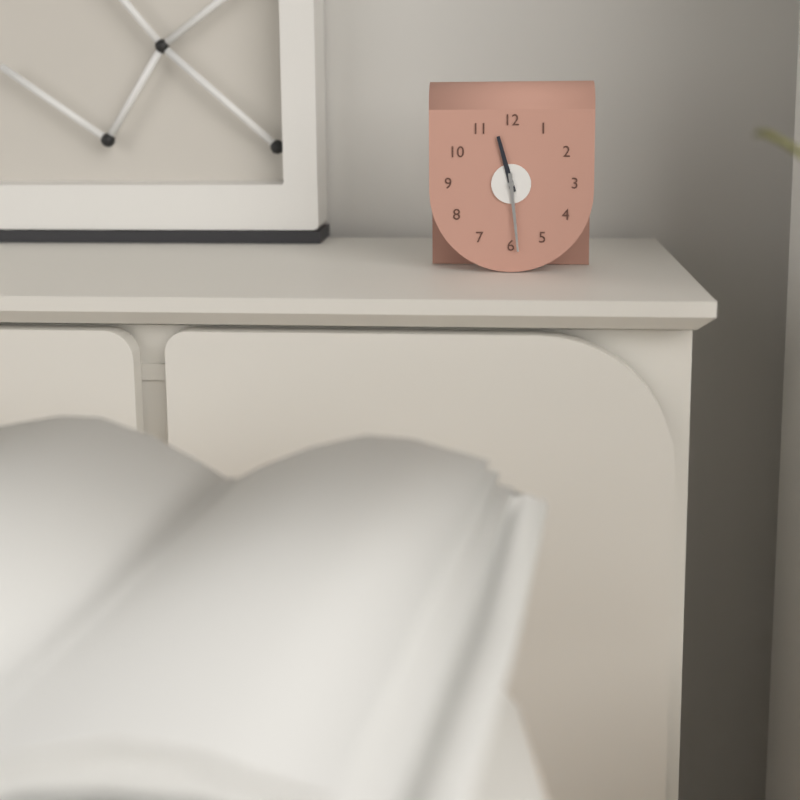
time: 11:29
